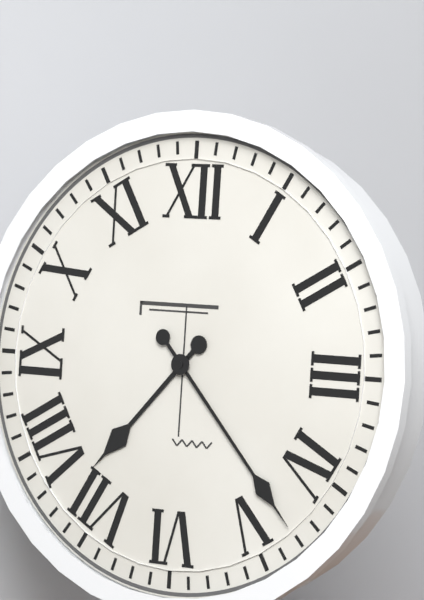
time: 7:23
